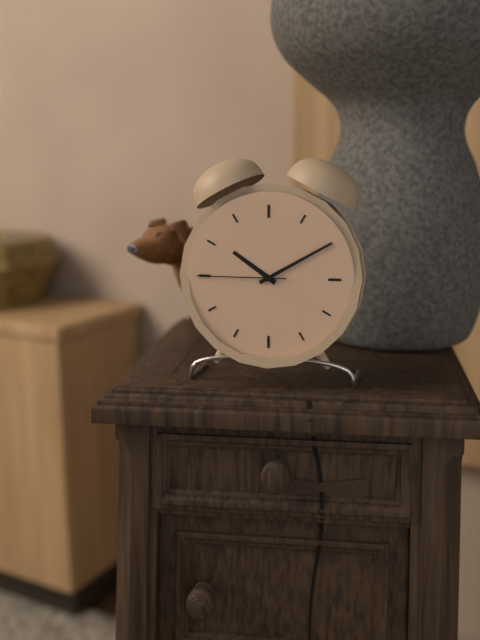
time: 10:10:45
